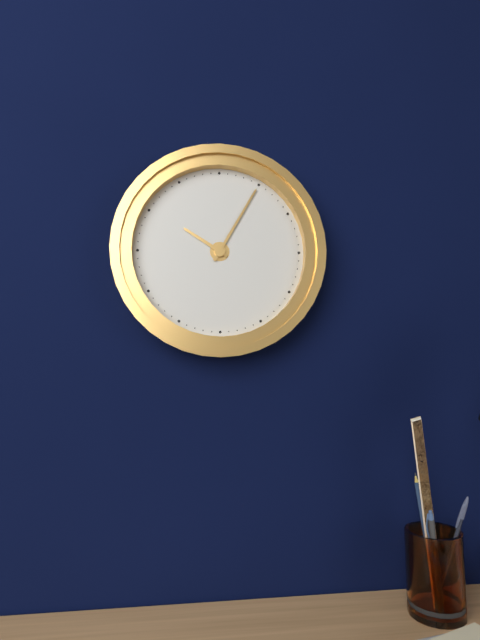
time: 10:05
